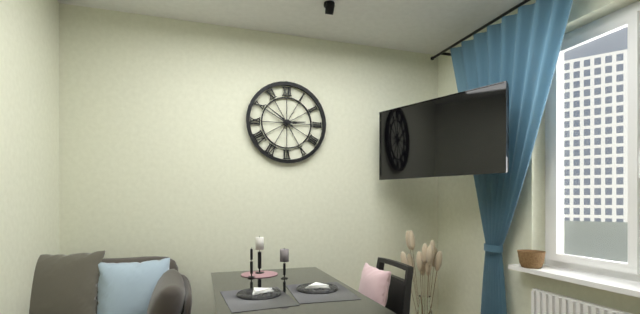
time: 2:51
